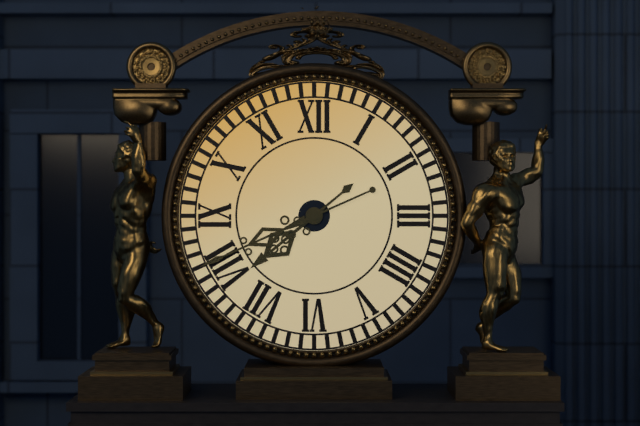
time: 7:41
